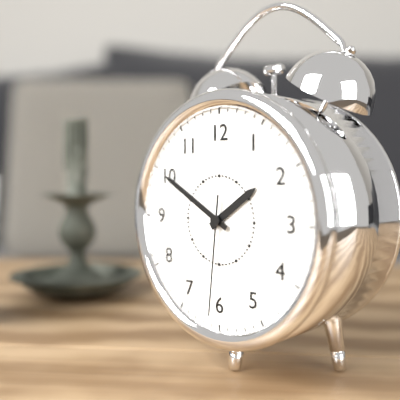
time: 1:50:31
